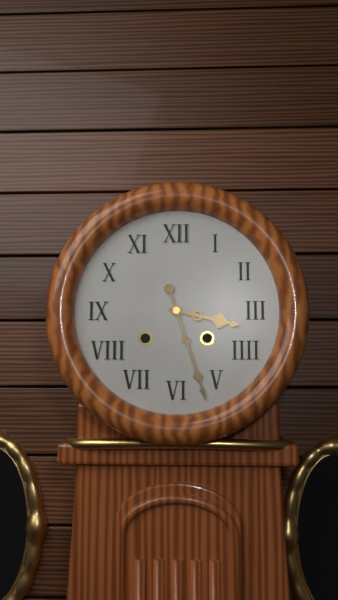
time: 3:27
